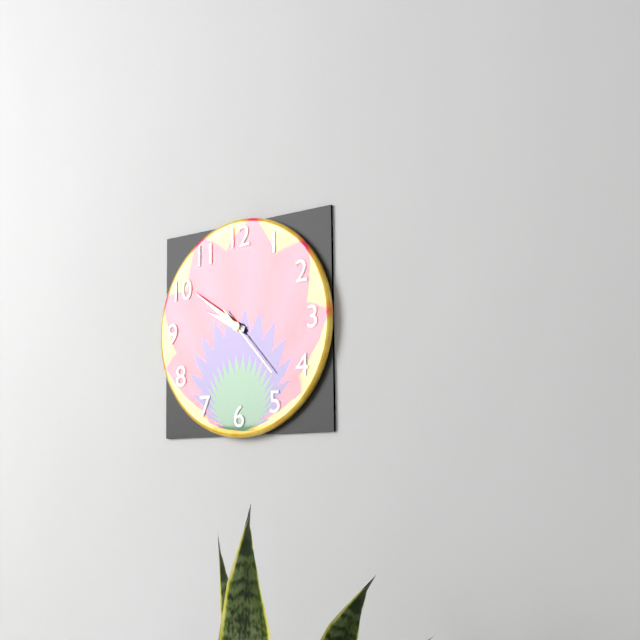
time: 9:51:23
